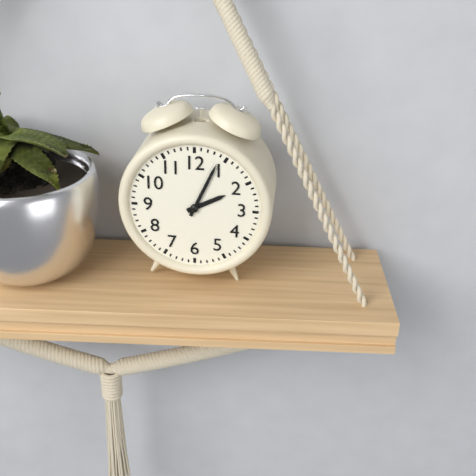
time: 2:04
